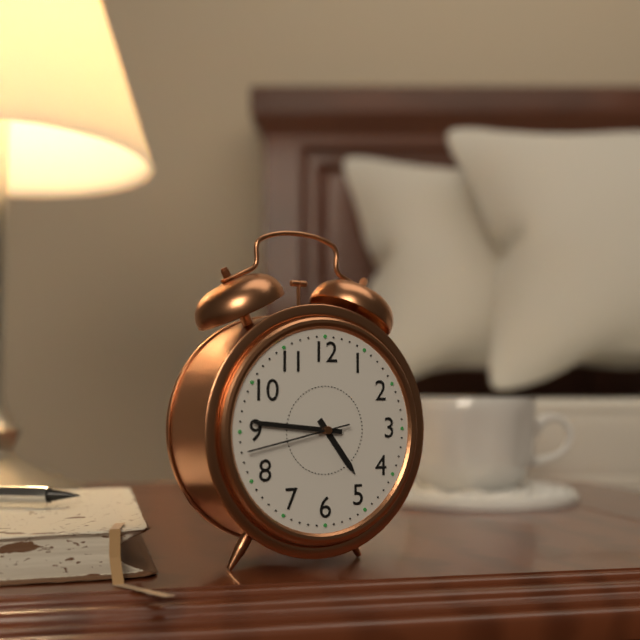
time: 4:46:43
